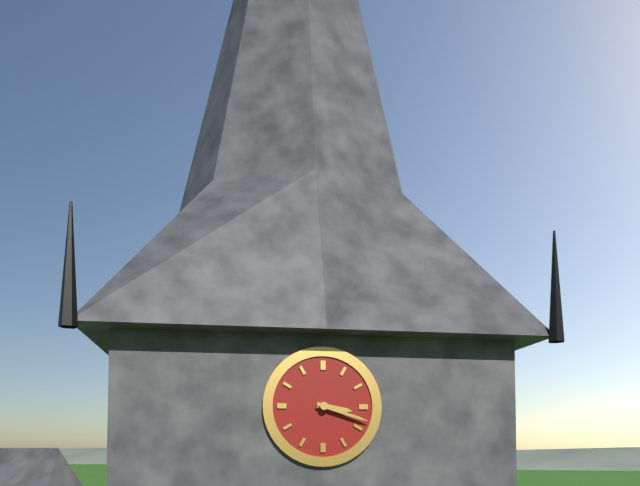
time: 3:18
